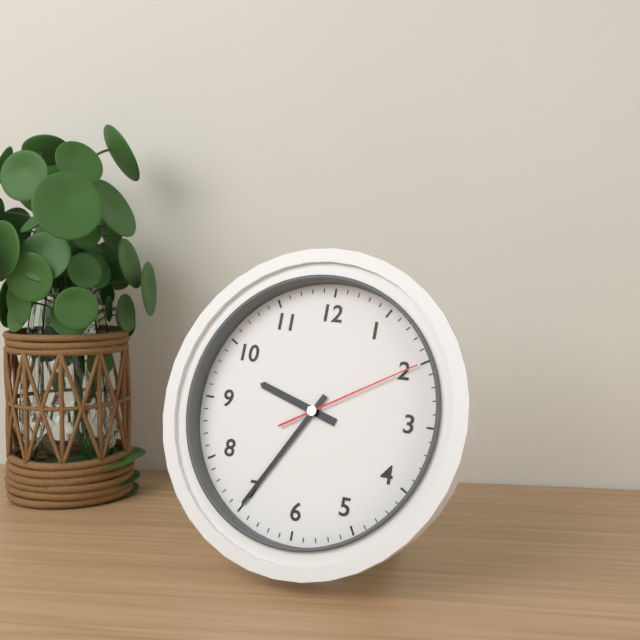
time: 9:35:10
